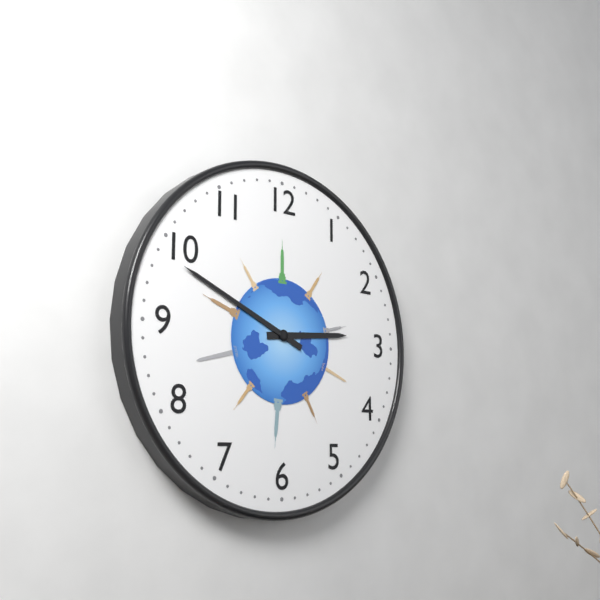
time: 2:49
